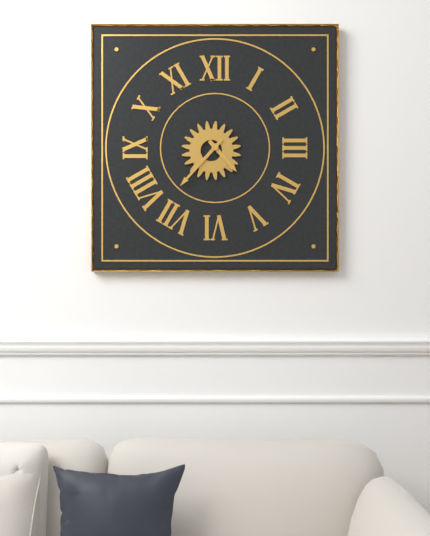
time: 4:37
